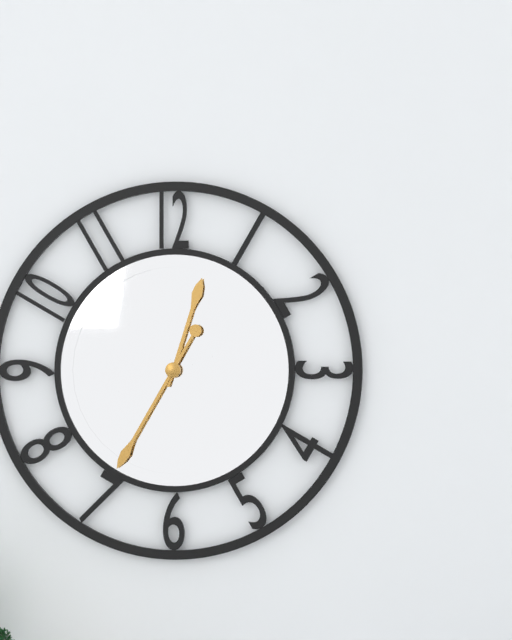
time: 12:35
